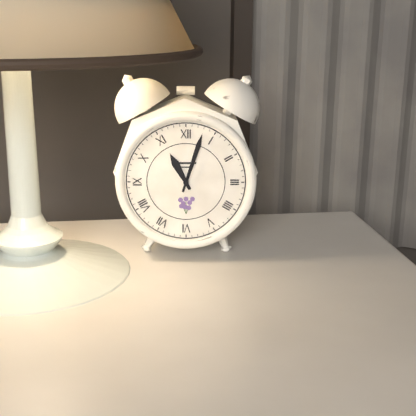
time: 11:03
